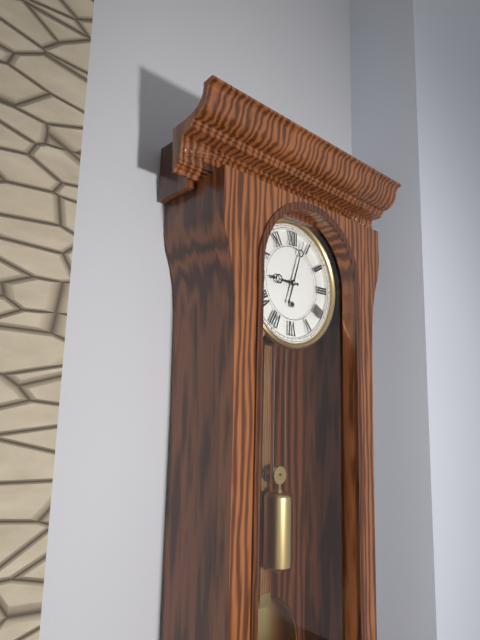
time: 9:03
